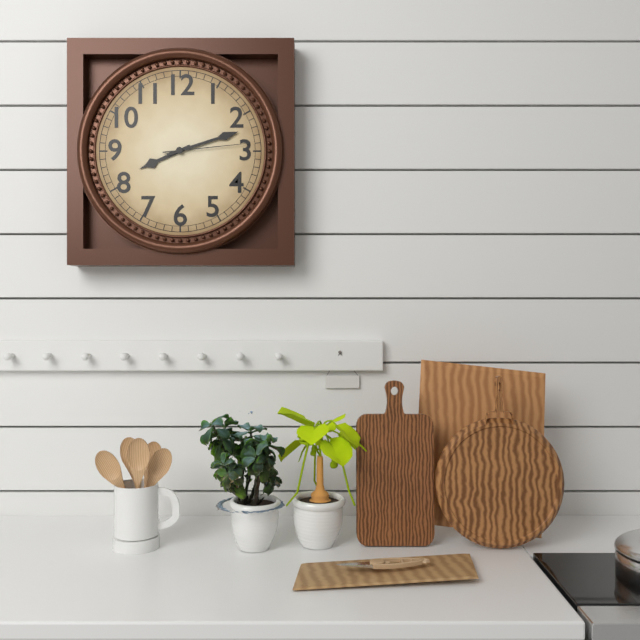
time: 8:12:14
